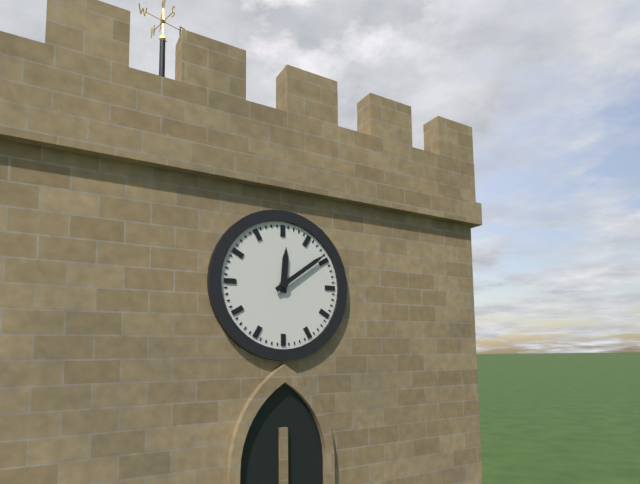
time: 12:09
